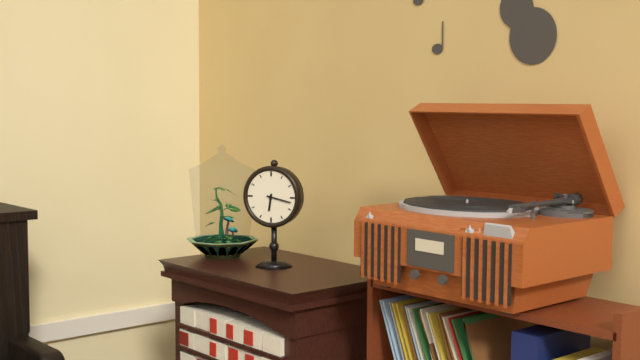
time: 6:17
